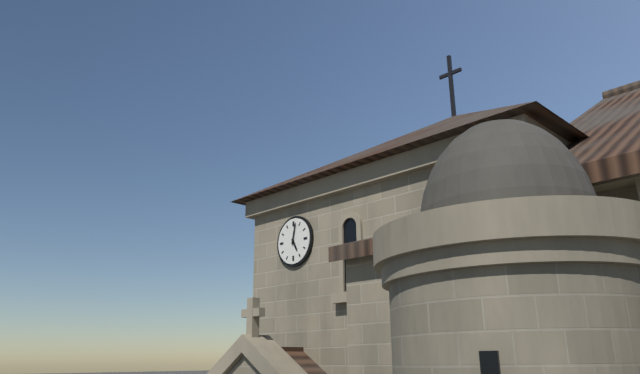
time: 5:02
